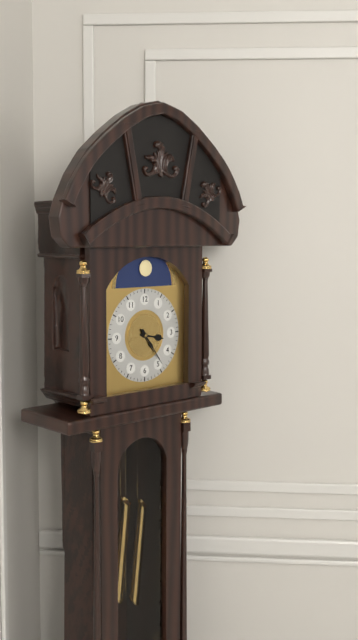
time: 3:24
